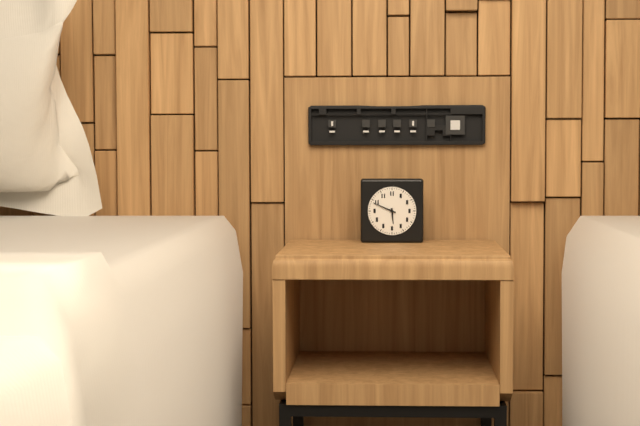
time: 5:49
